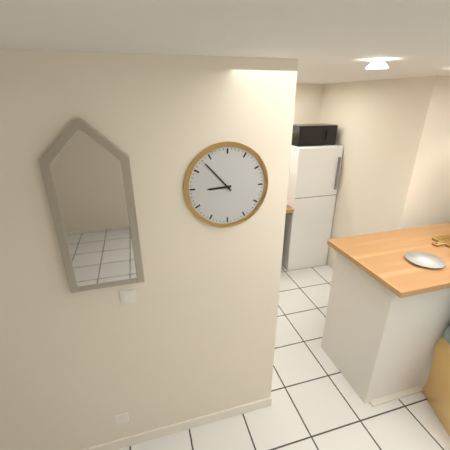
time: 8:53
